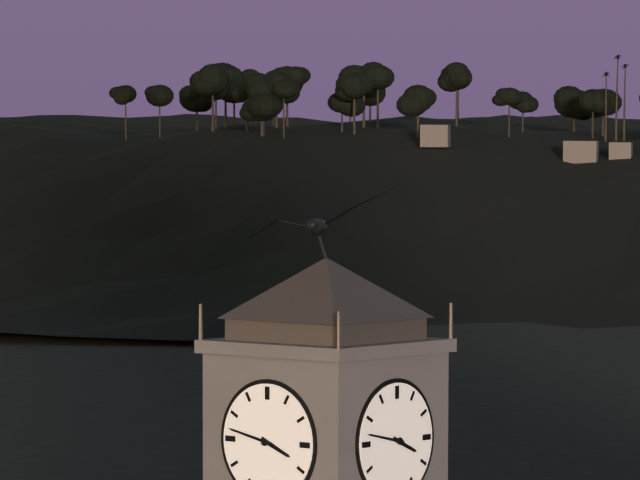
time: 3:47
